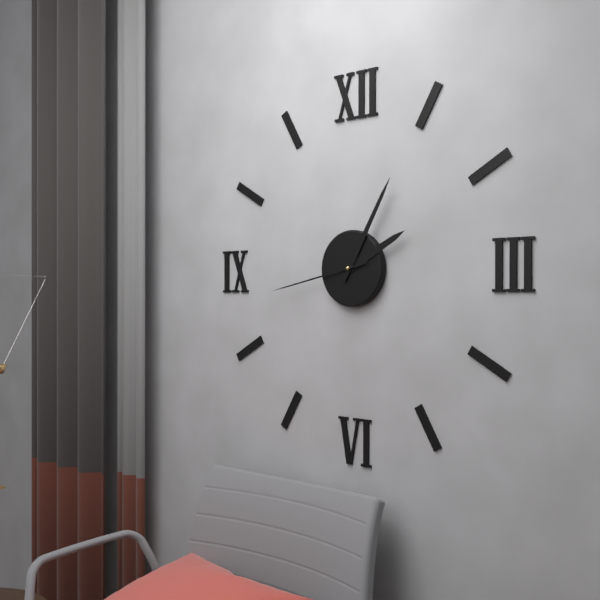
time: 2:05:43
